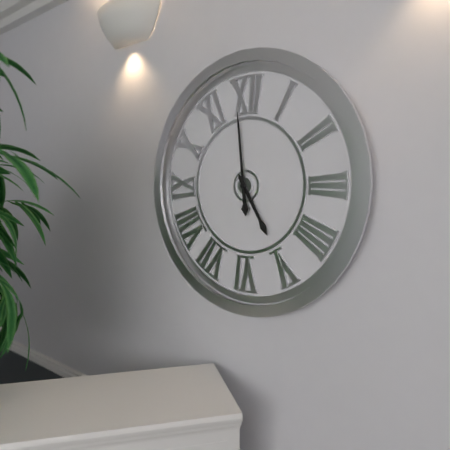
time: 4:59
